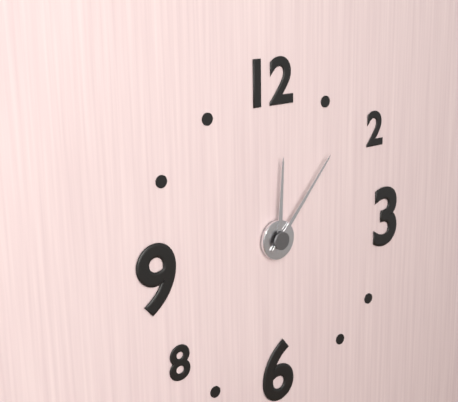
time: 12:07
